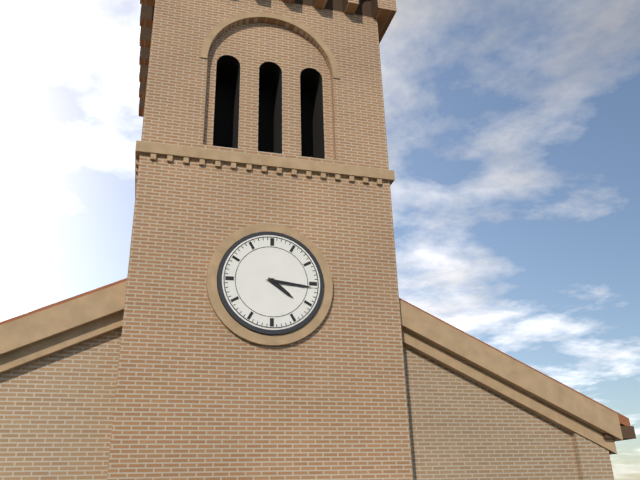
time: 4:16
